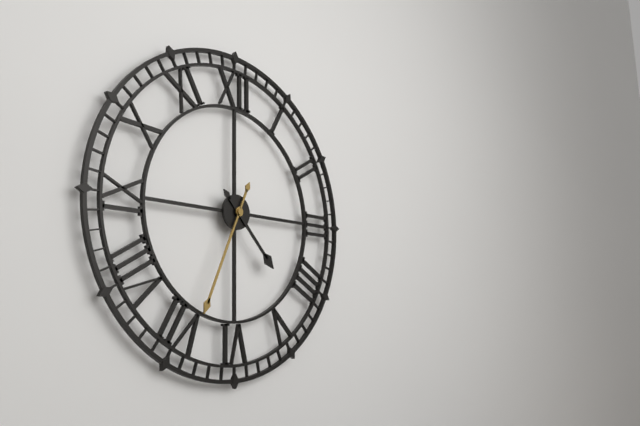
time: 4:34
